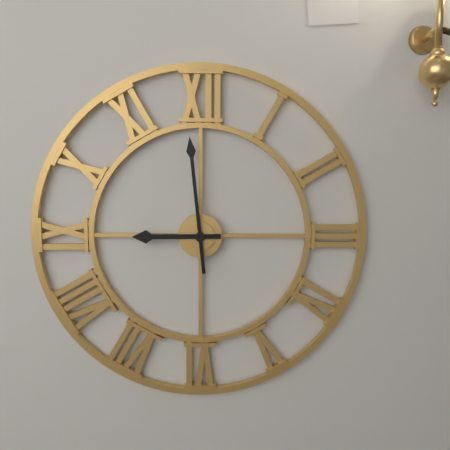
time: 8:59
